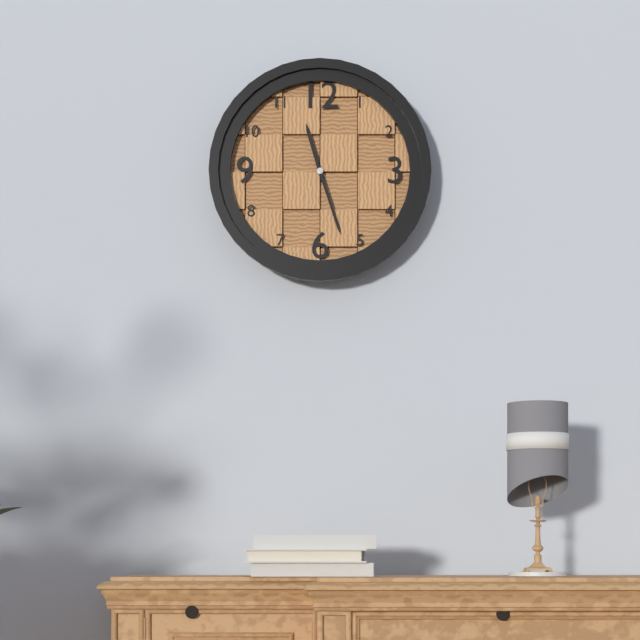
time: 11:27
